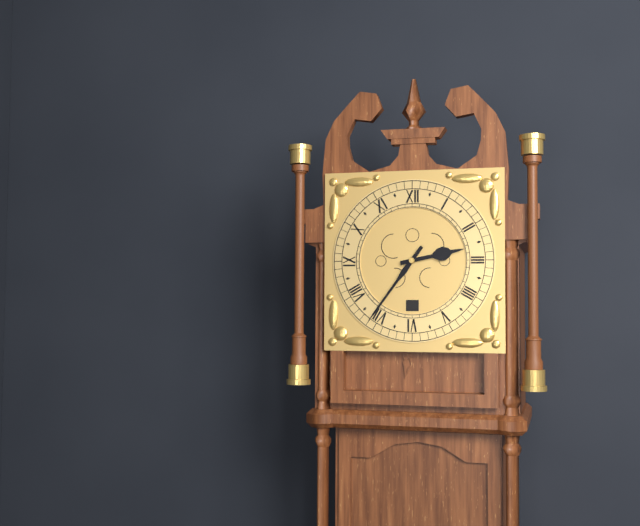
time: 2:36
